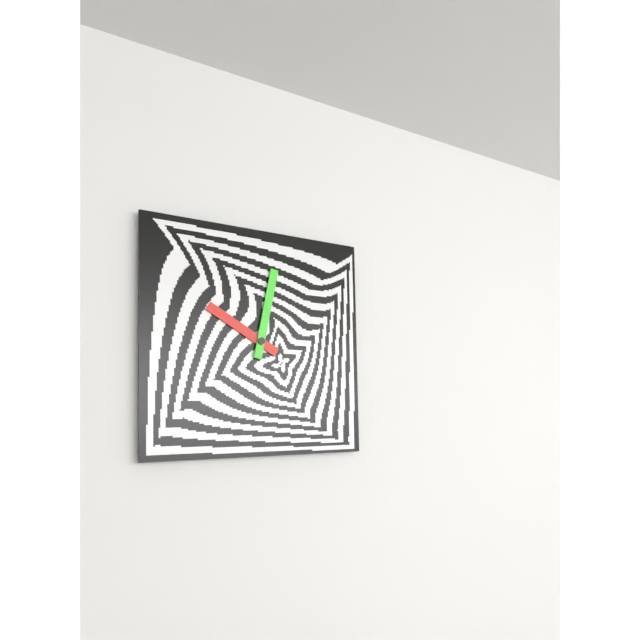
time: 10:02
